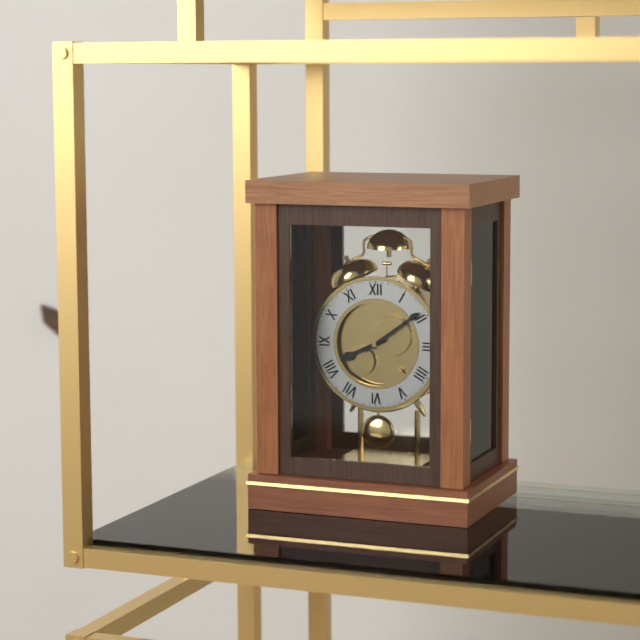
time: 8:09
